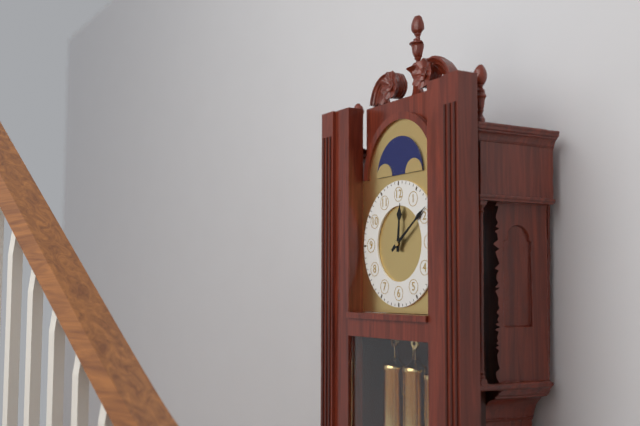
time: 12:09
